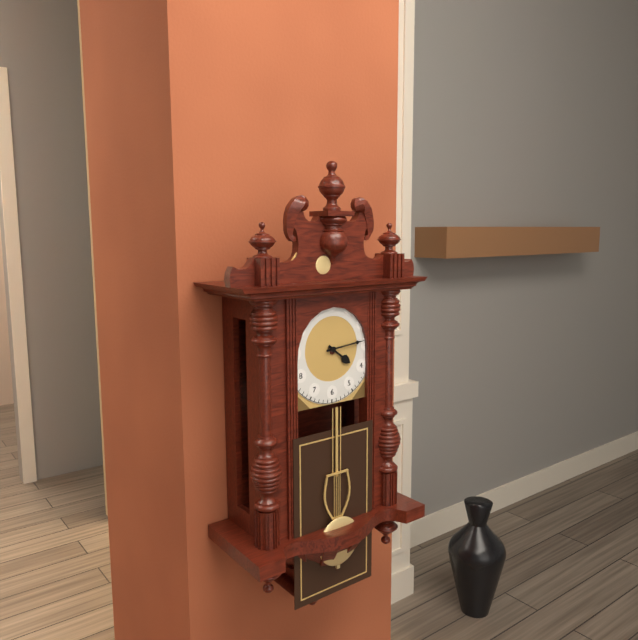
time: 4:14
